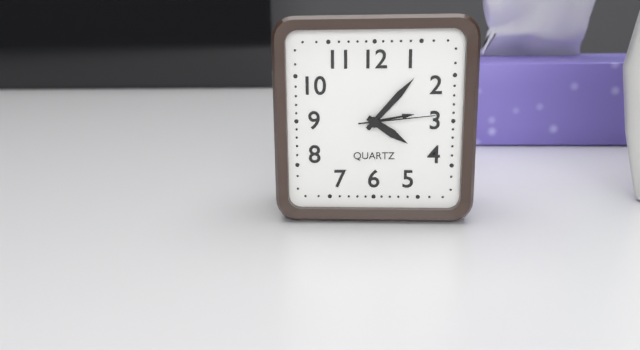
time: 4:07:14
